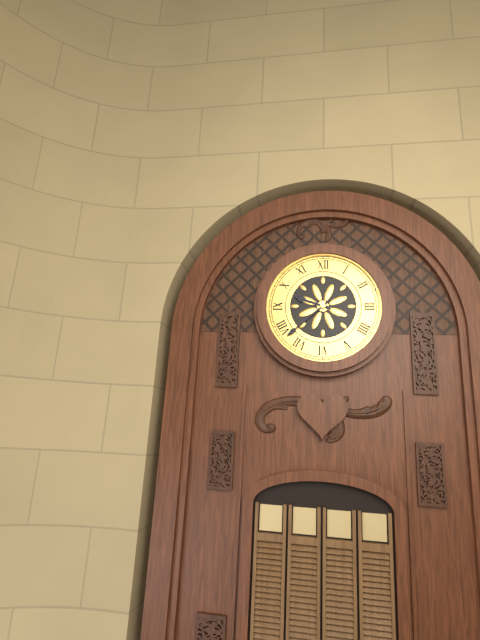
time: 9:38
